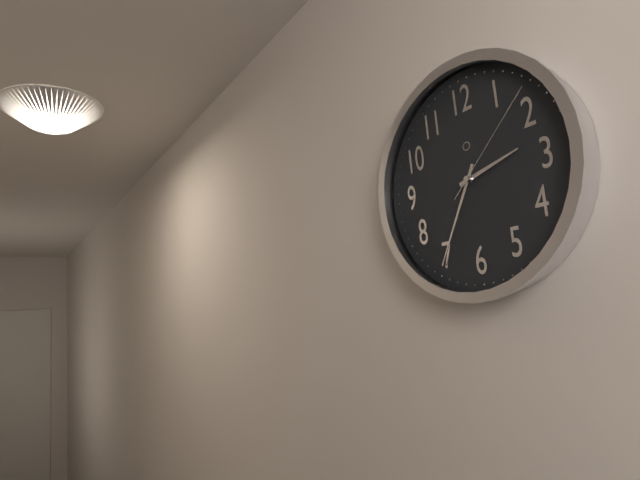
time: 2:35:08
